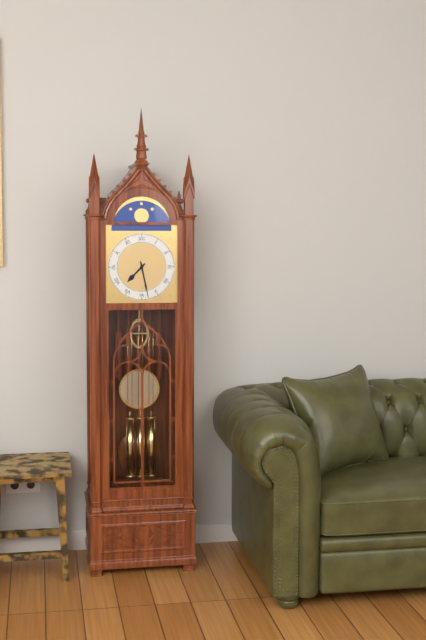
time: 7:28
